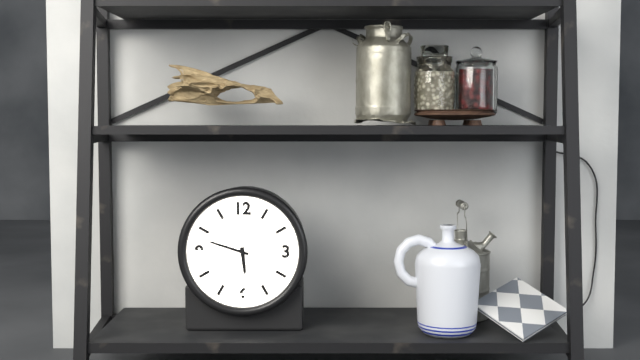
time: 5:48
